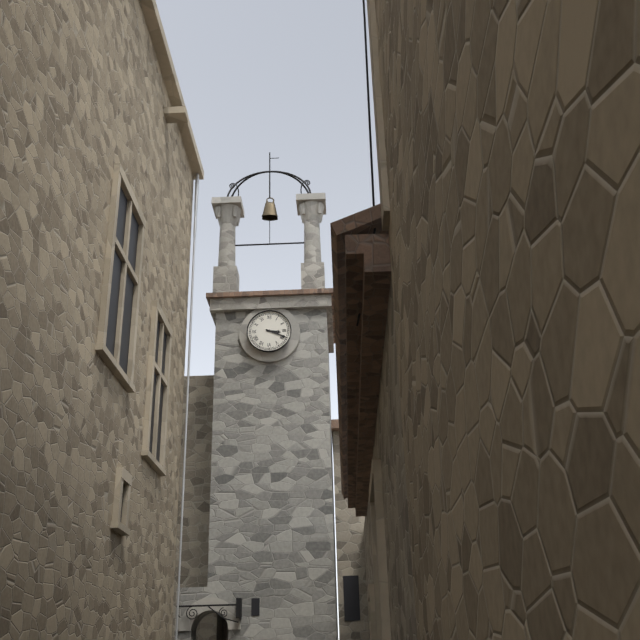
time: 3:19
